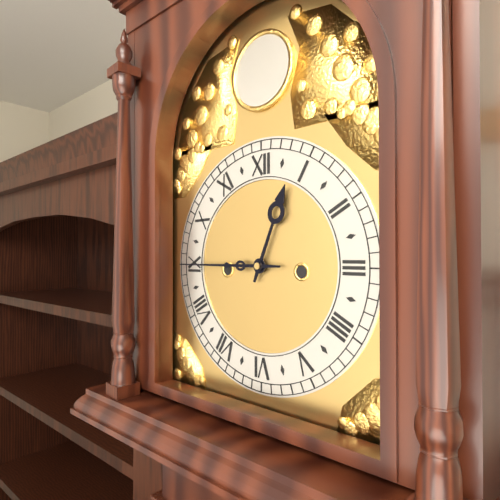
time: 12:45
